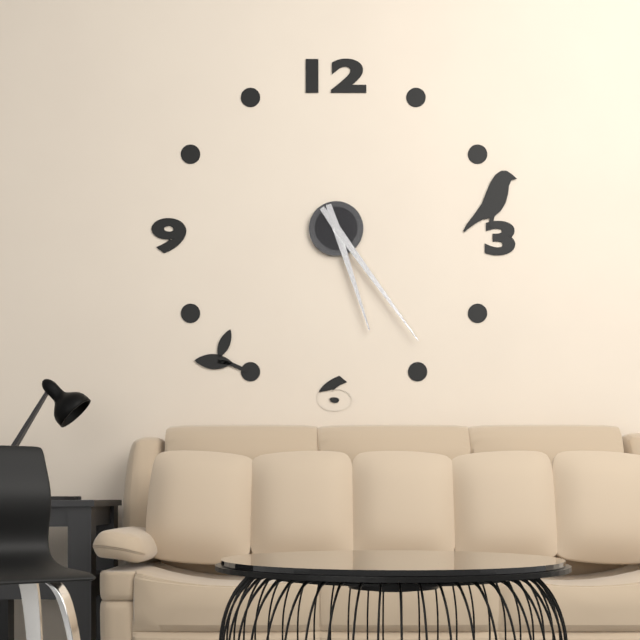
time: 5:24
